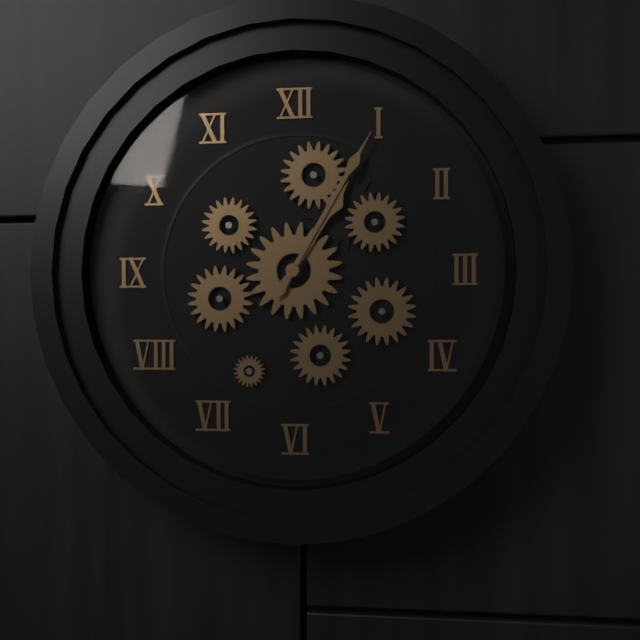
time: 1:05
